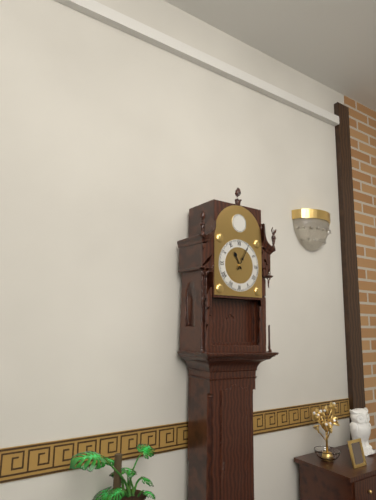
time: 11:05
